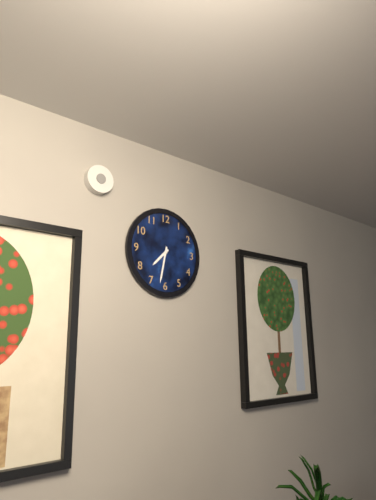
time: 7:32
